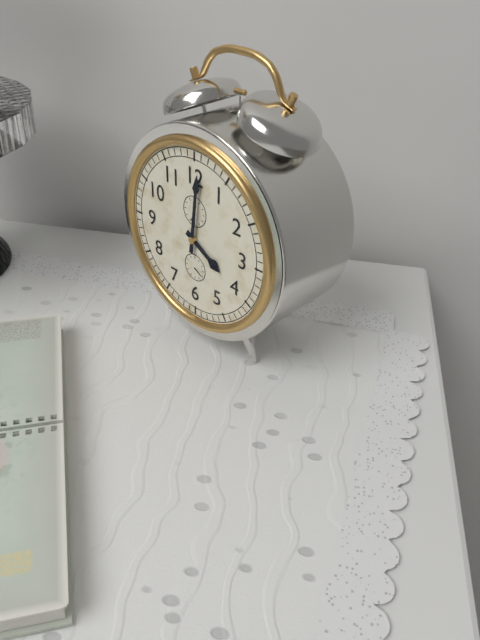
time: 4:01
